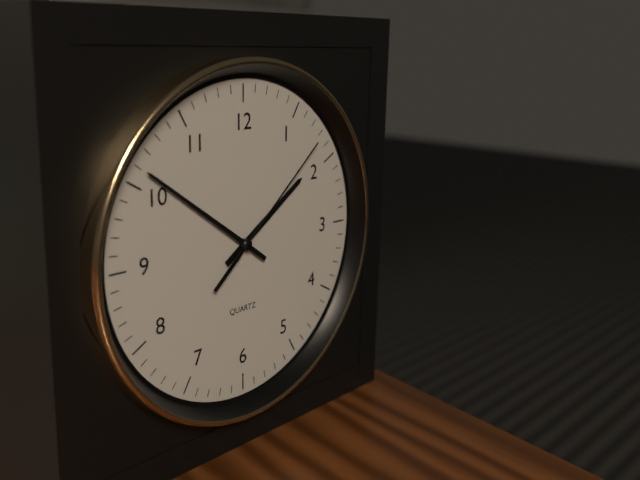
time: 1:51:08
